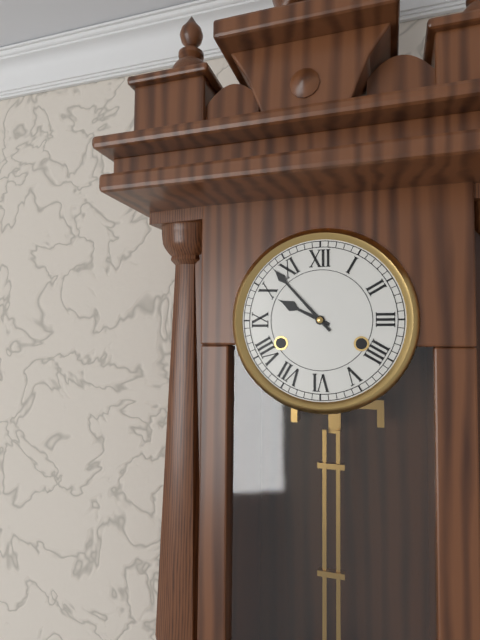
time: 9:53
